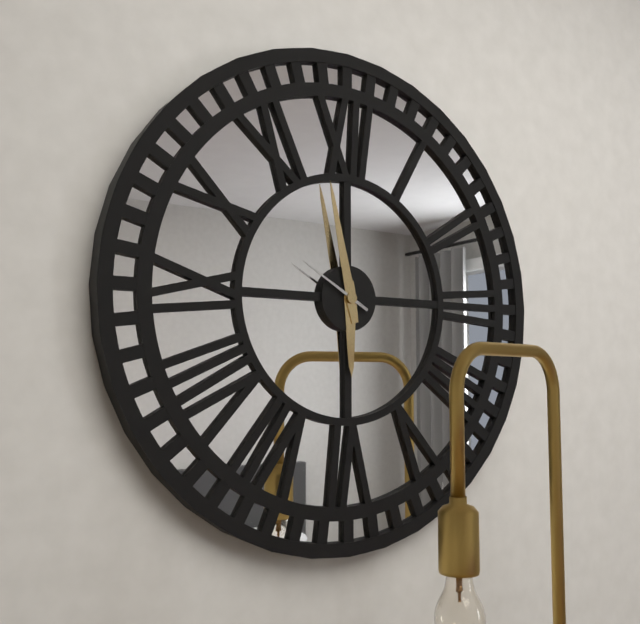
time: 5:58:50
